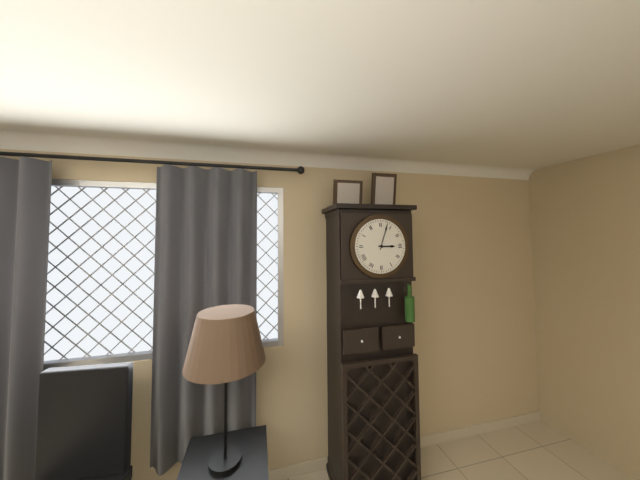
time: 3:03
